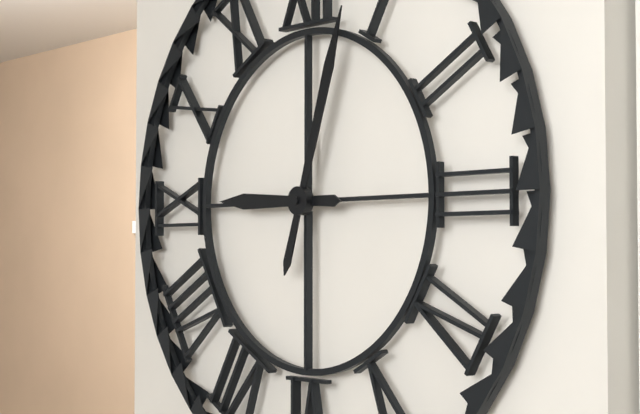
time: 9:03
